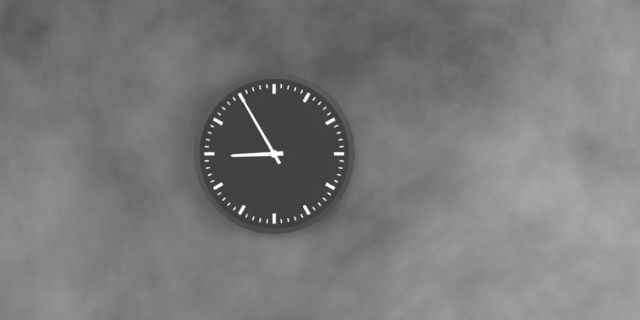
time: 8:55
